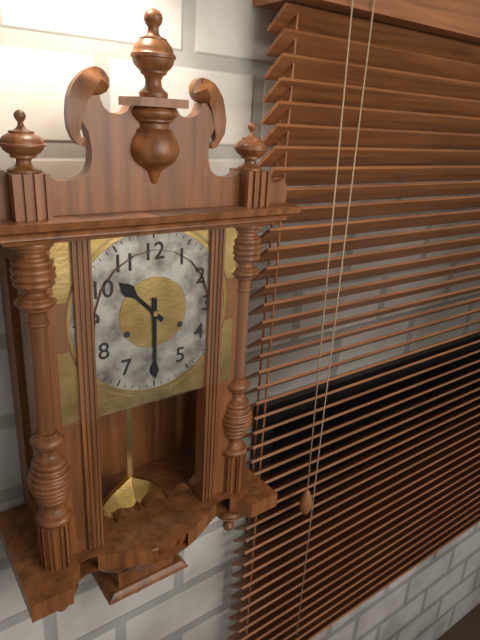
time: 10:30
